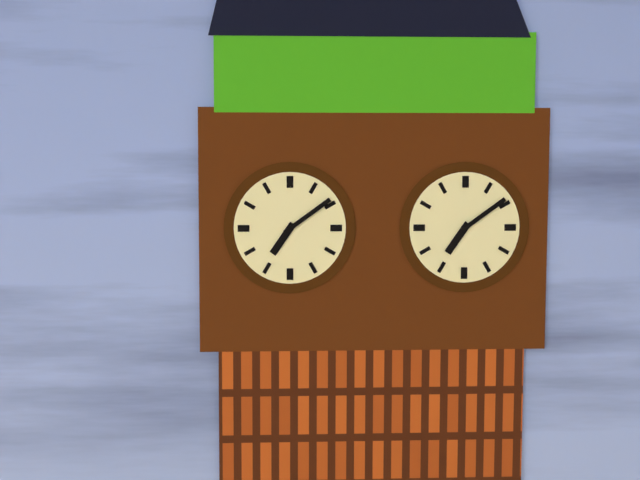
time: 7:09
